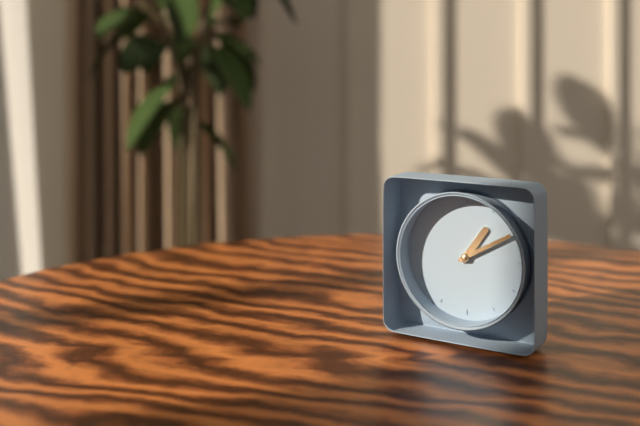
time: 1:10
